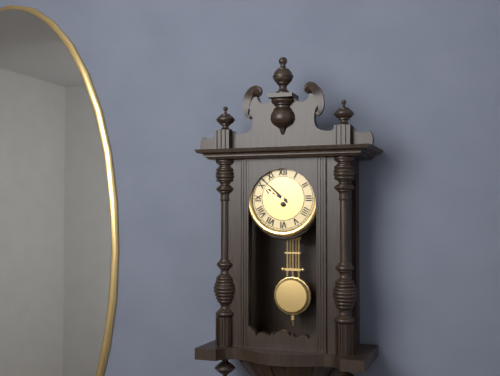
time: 9:52
